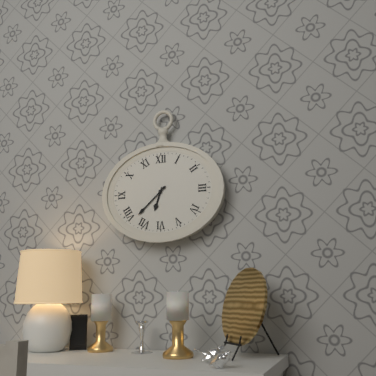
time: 6:38
